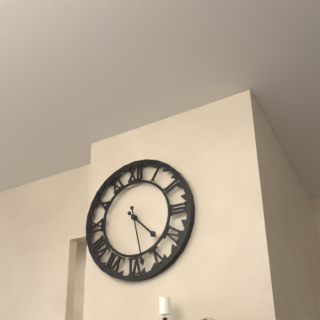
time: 4:28
